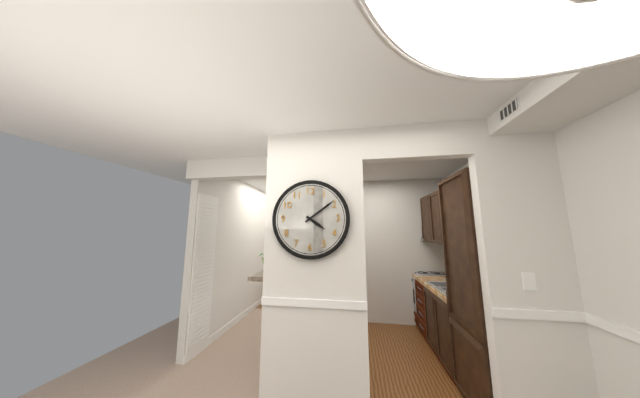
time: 4:09
